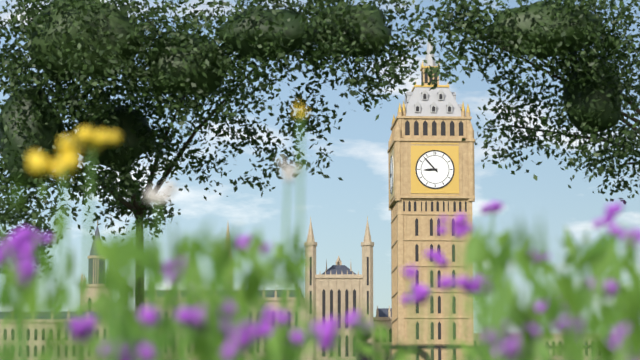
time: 8:53
